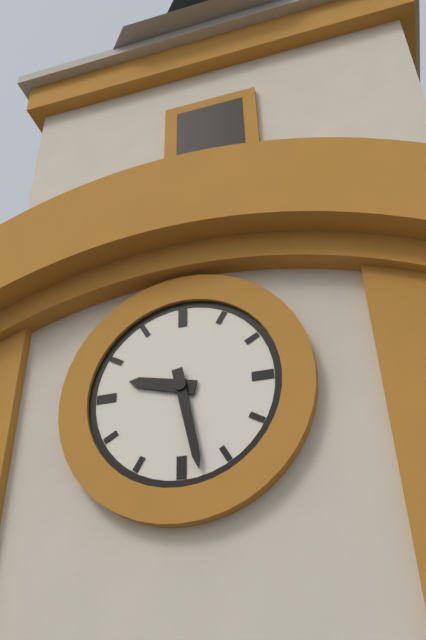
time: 9:28
